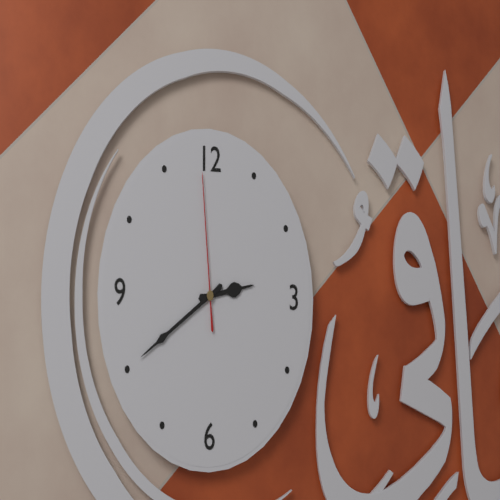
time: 2:40:59
